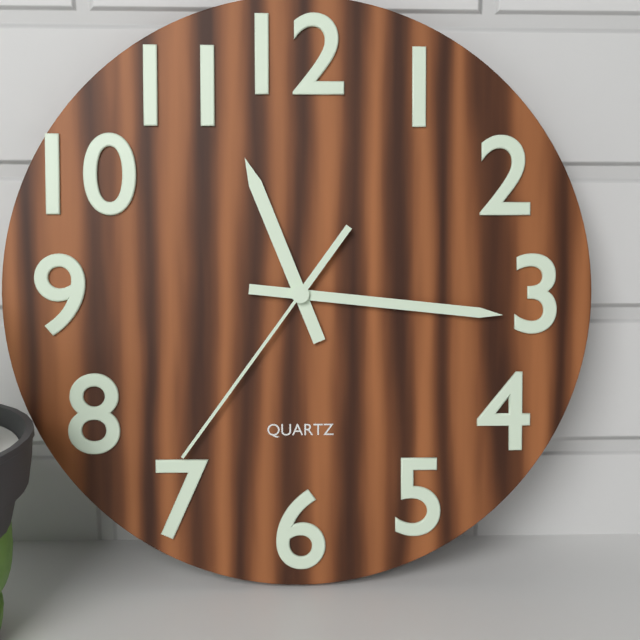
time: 11:16:36
